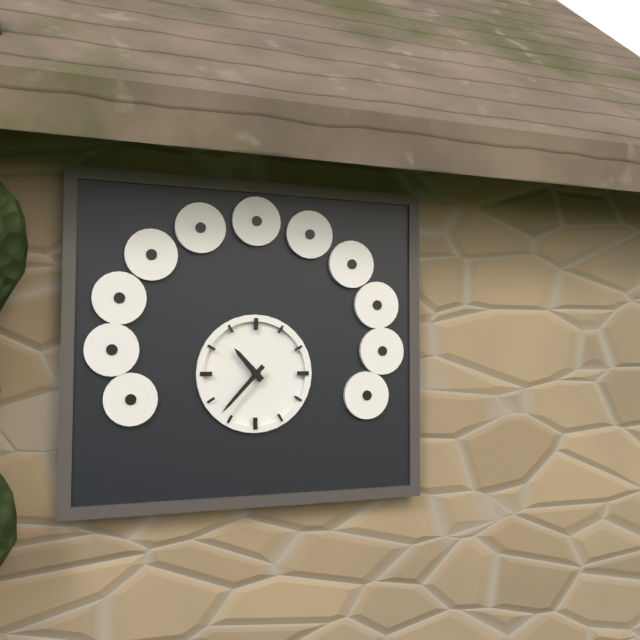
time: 10:37
